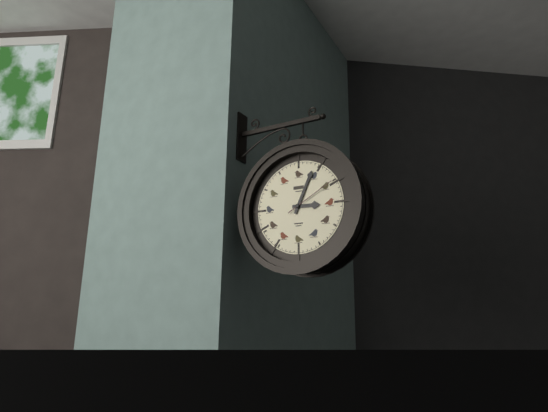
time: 3:04:10
